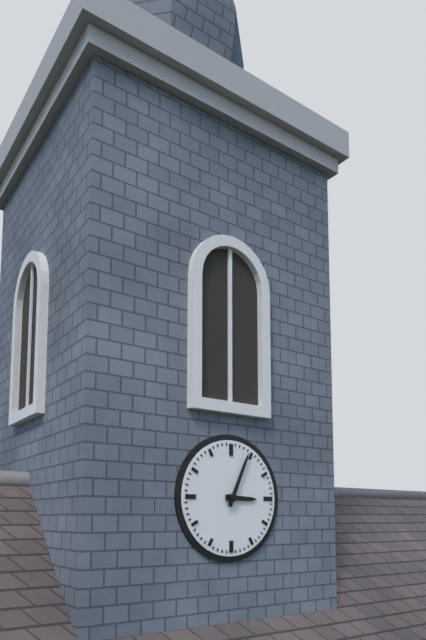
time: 3:04
